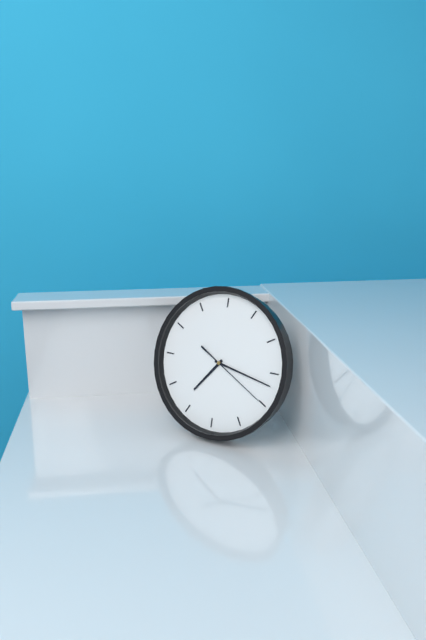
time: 7:17:20
